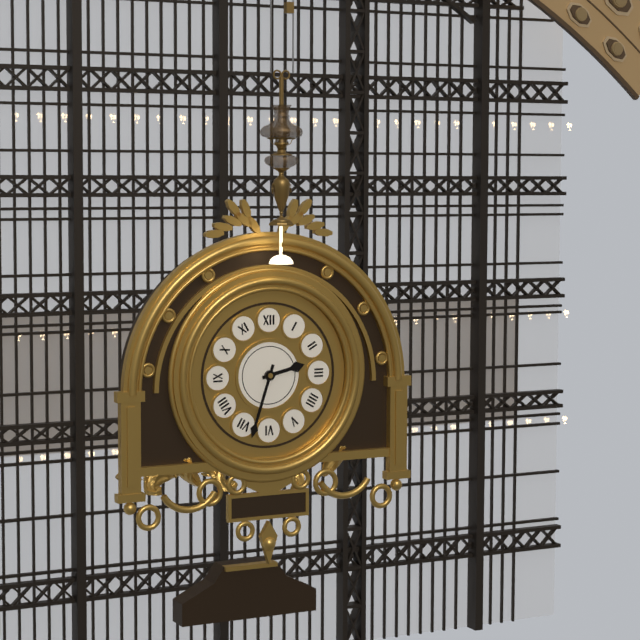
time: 2:33
